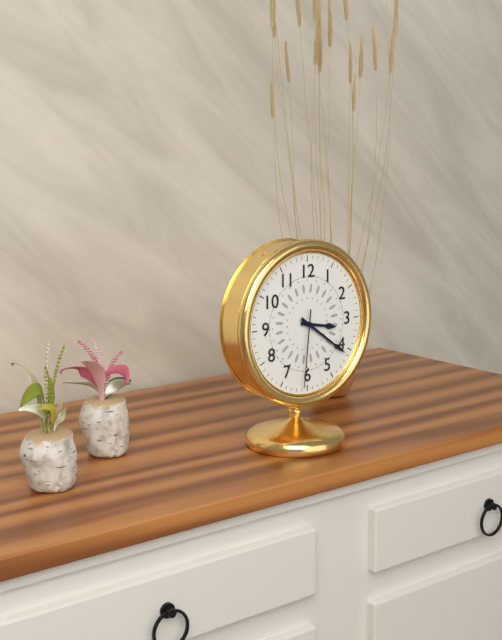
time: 3:21:31
